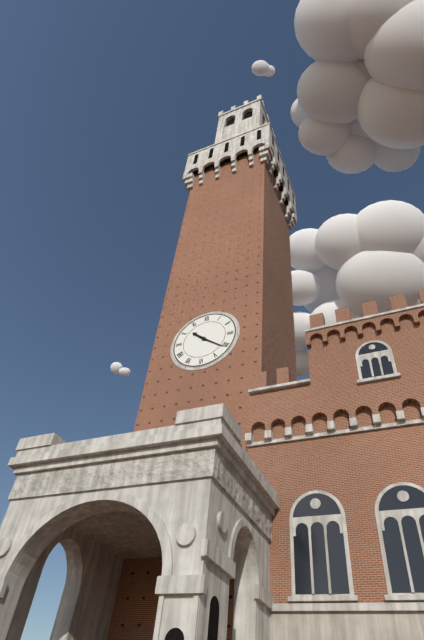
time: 10:21
